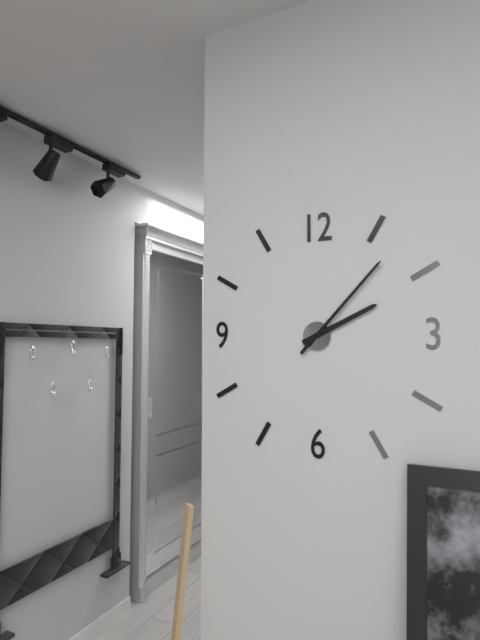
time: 2:07
